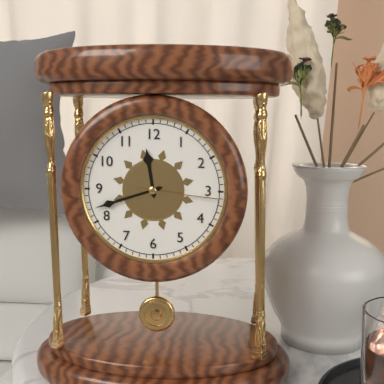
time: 11:42:16
